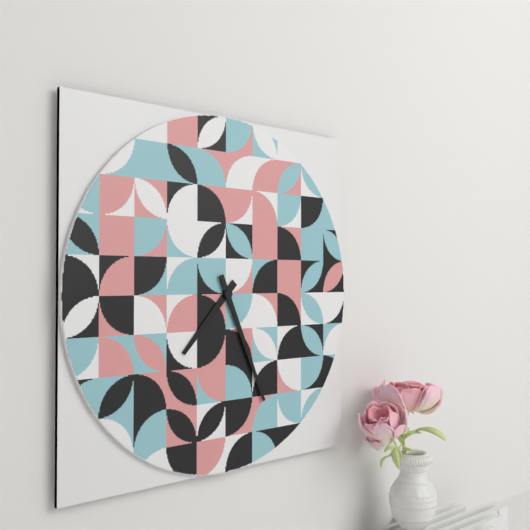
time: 7:26
